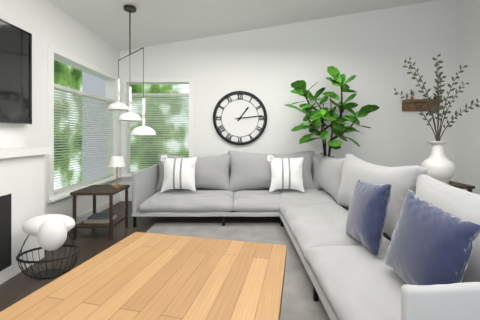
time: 1:14
